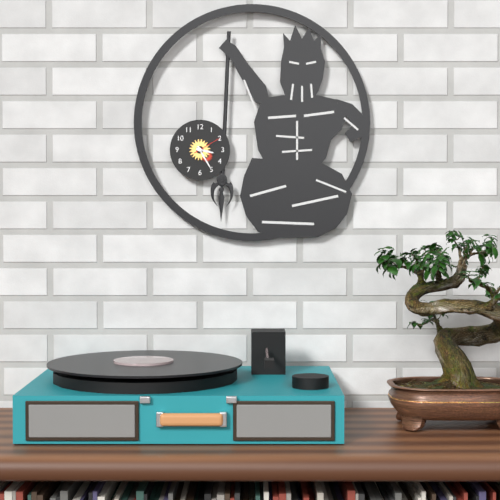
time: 3:25
